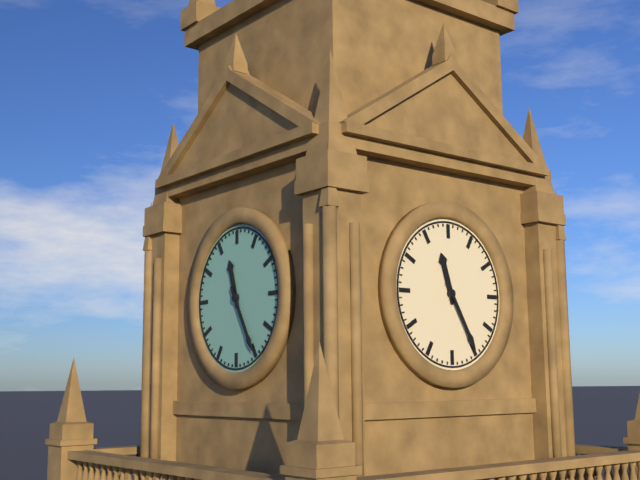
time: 11:25
